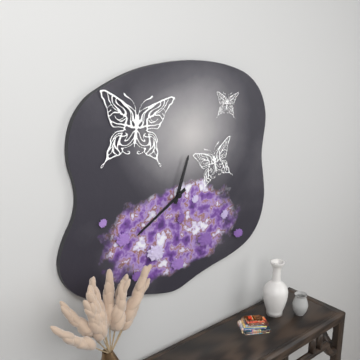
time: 12:40
